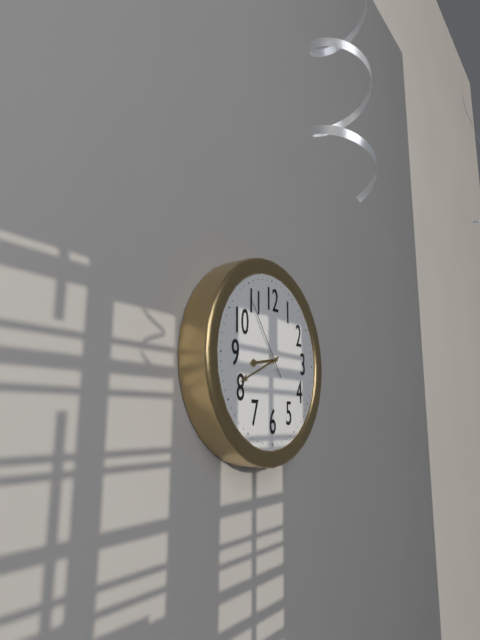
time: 8:41:54
